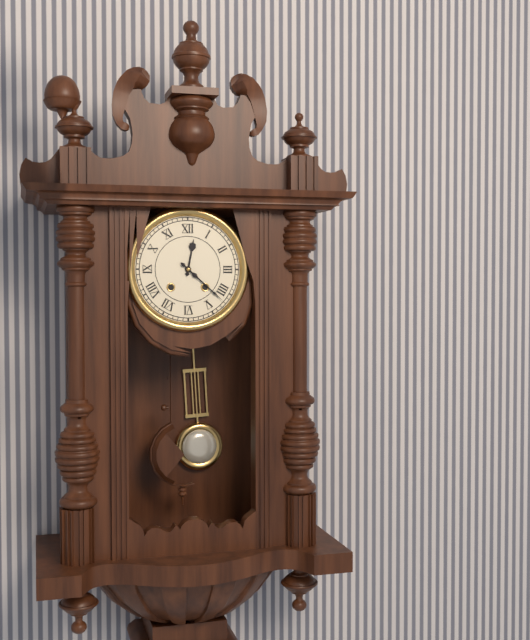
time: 12:22
